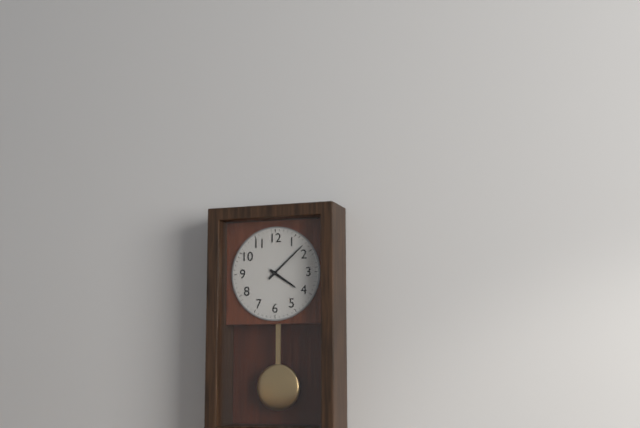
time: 4:08
